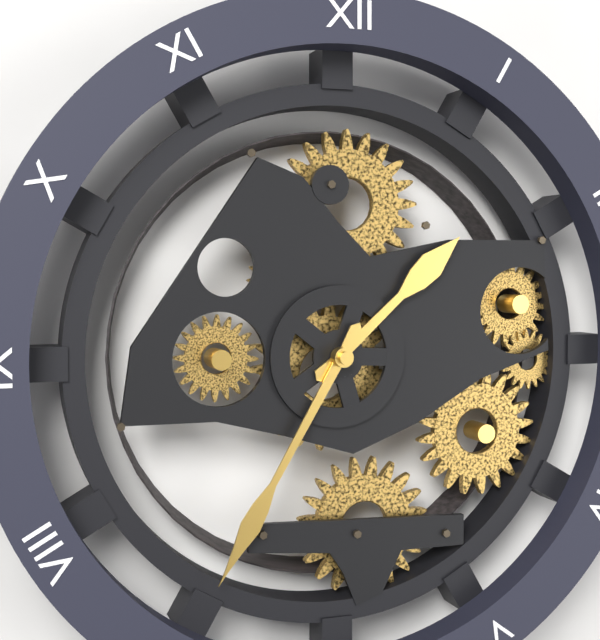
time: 1:35
